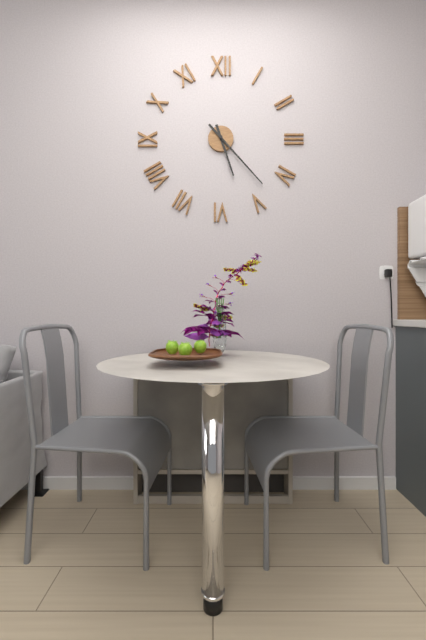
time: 5:23
